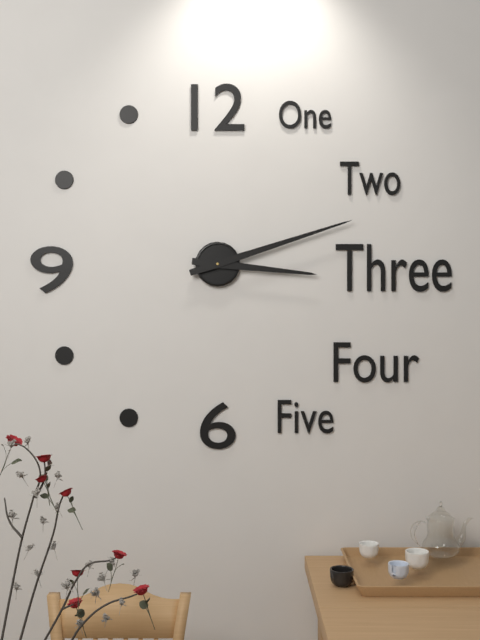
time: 3:12
